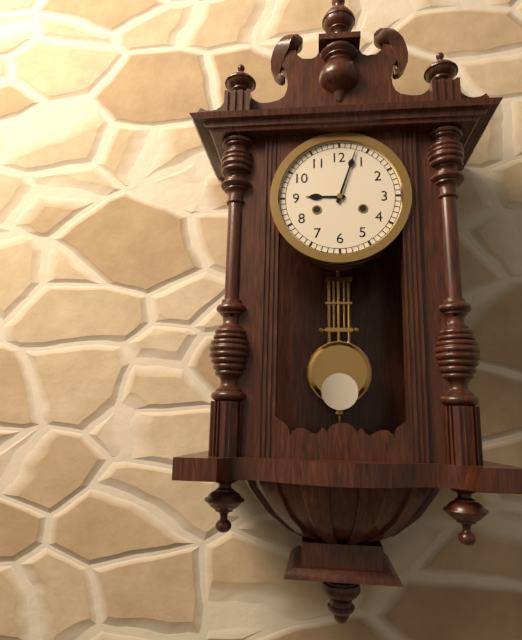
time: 9:03
